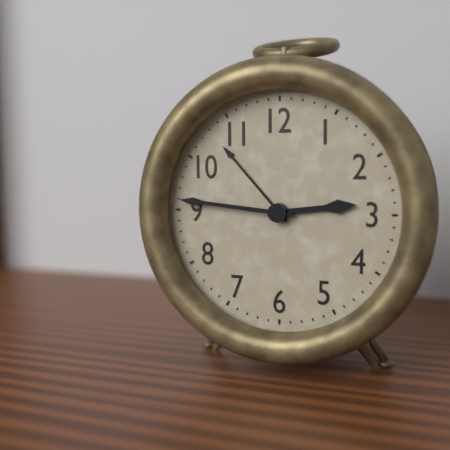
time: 2:46
